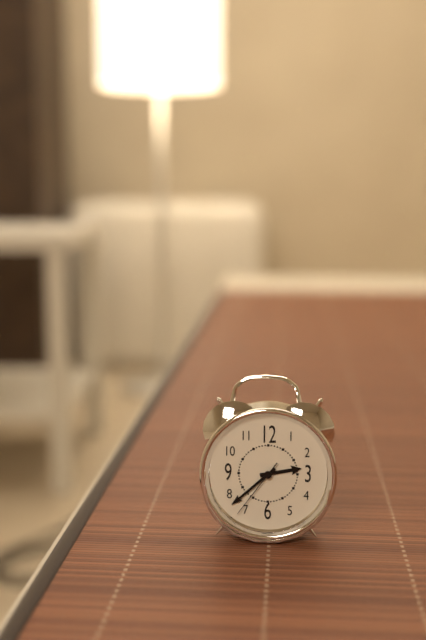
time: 2:38:36
